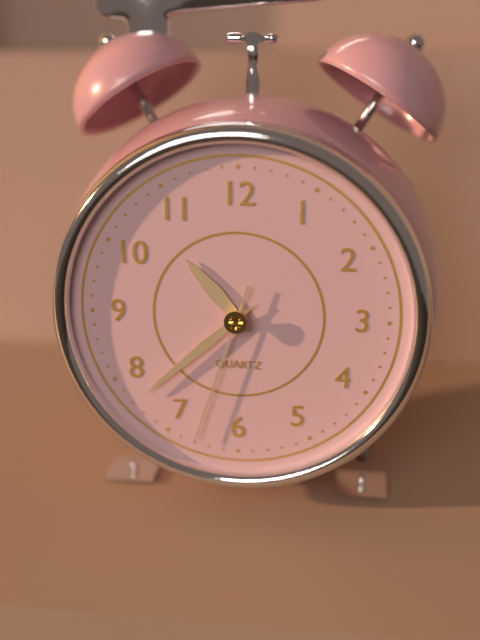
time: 10:38:33
